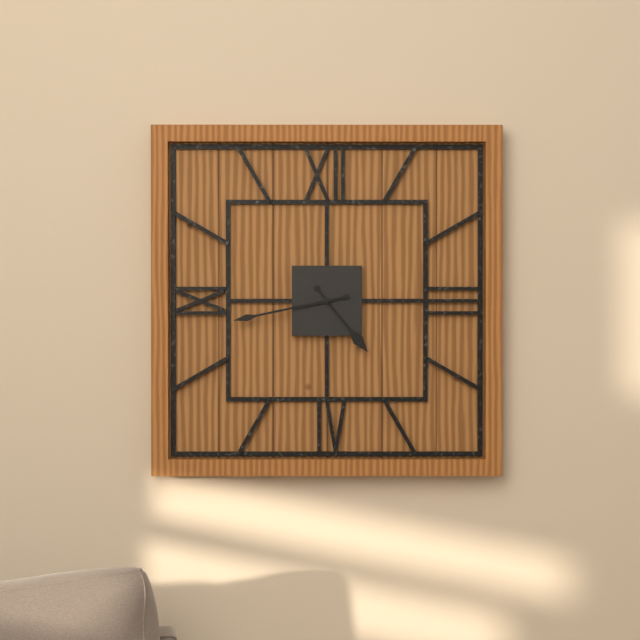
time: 4:43
